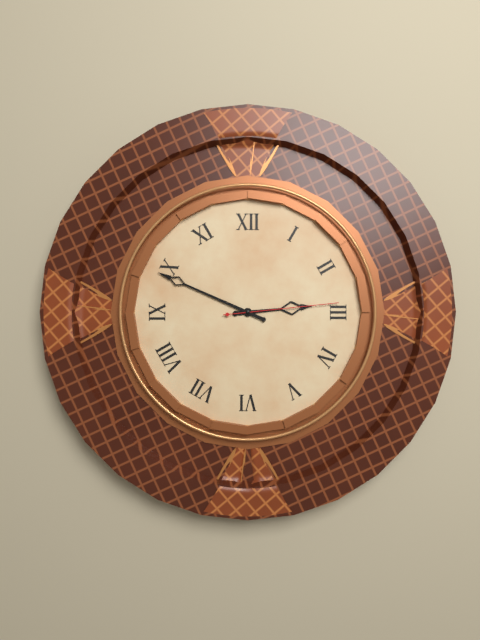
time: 2:49:14
